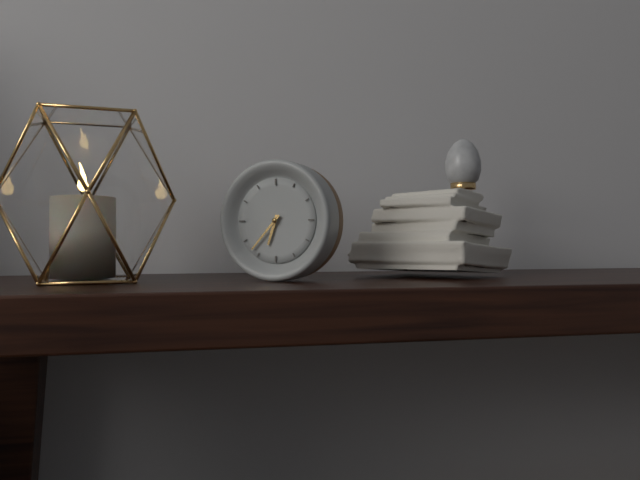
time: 6:37
